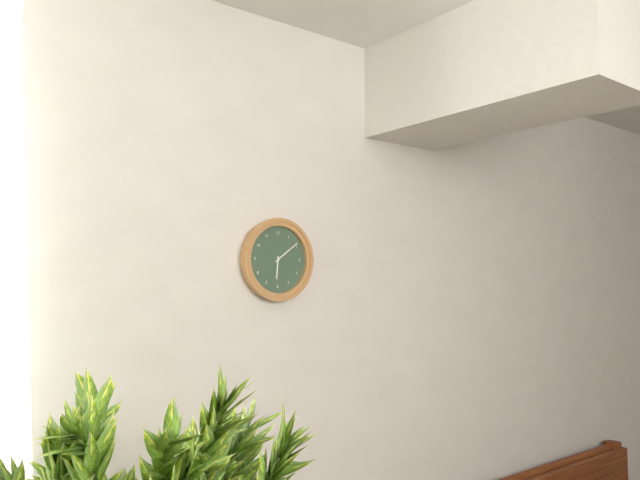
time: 6:09
